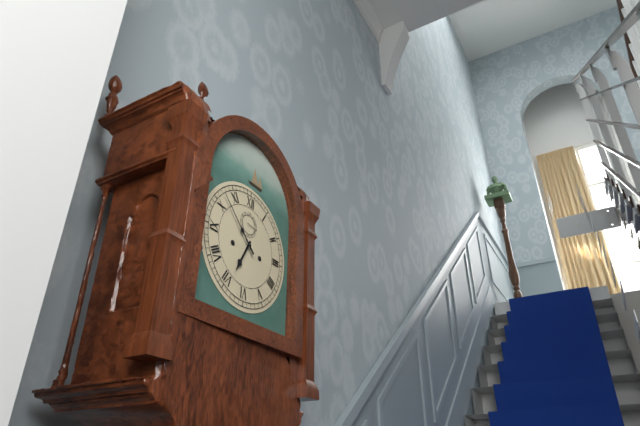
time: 6:52
